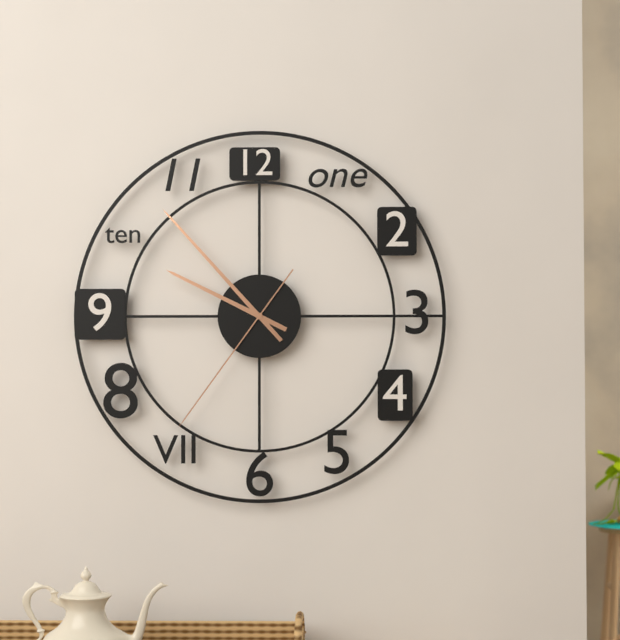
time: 9:53:36
